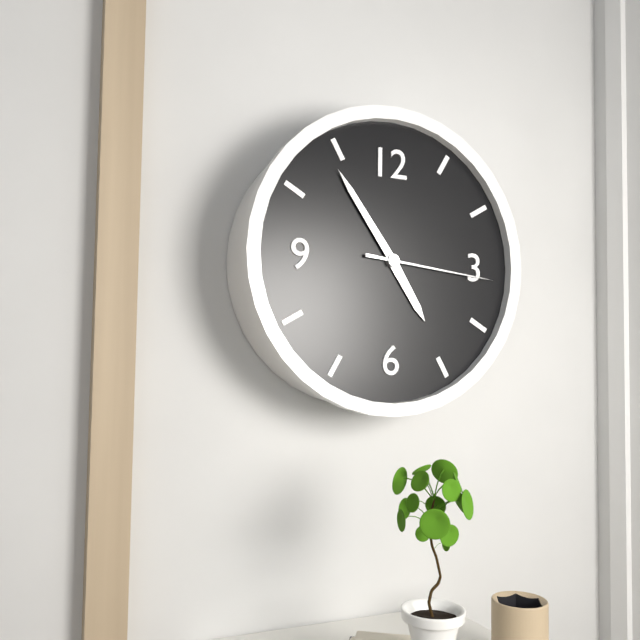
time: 4:54:16
